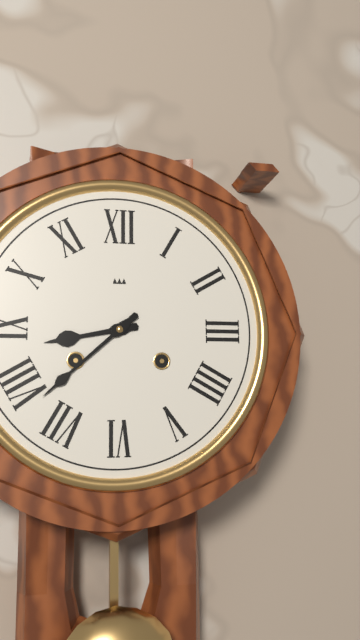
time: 8:38
